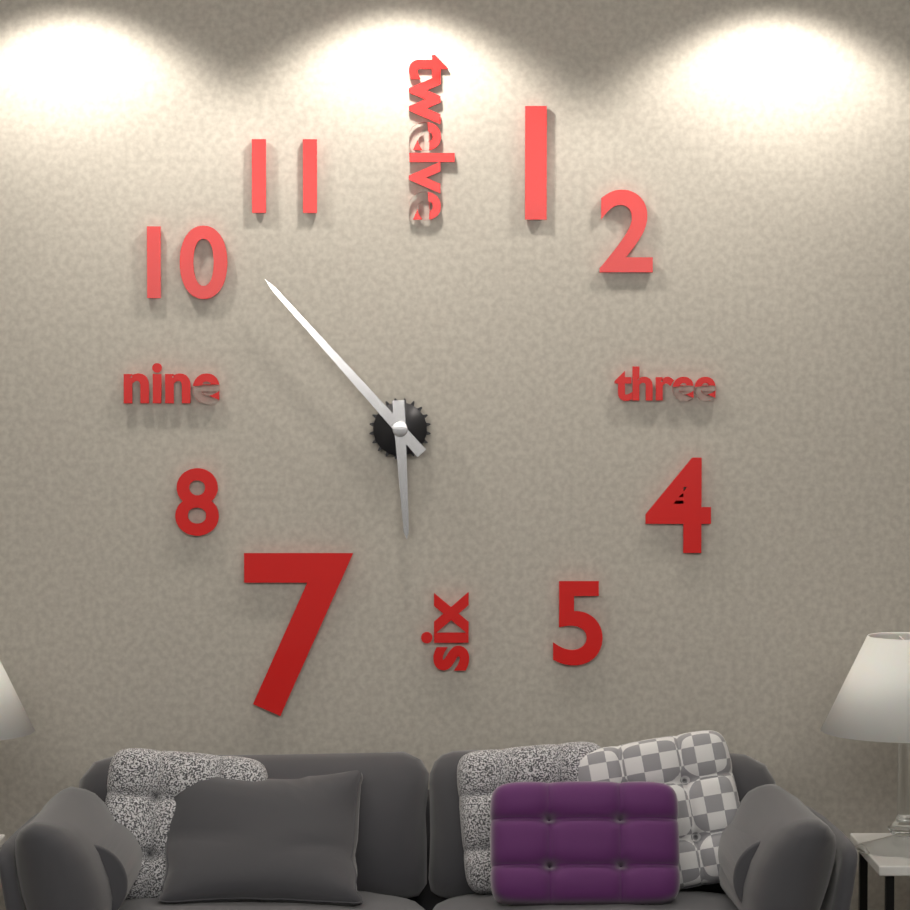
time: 5:53
